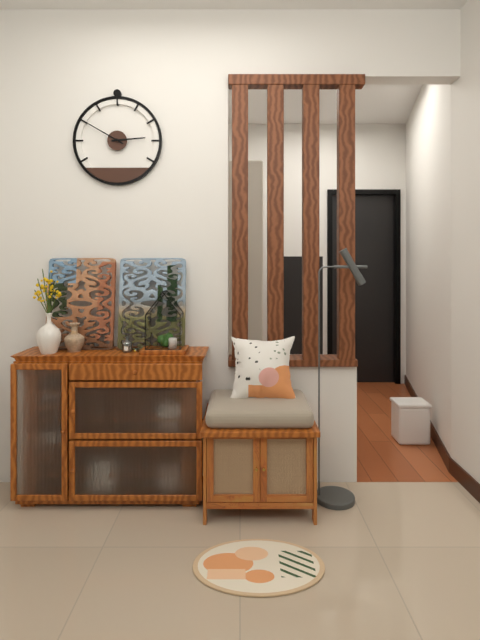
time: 2:50
